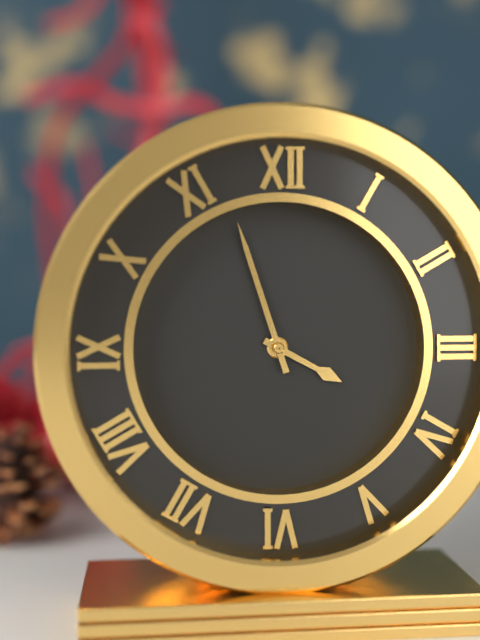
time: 3:57
